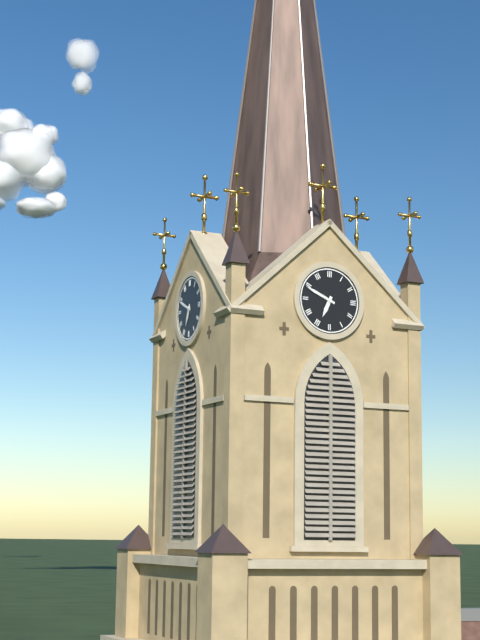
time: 6:49
